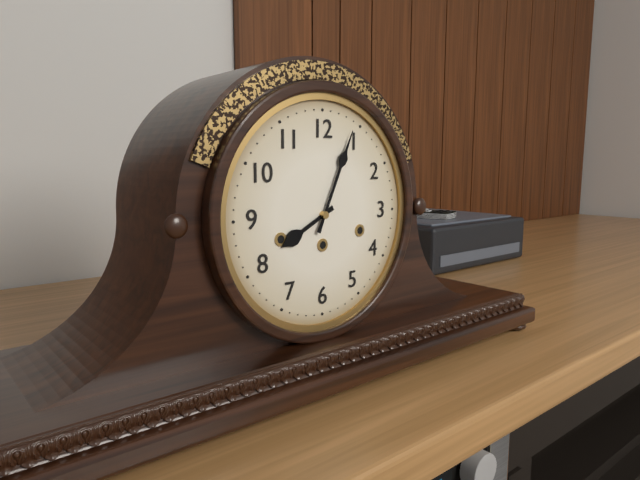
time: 8:04
